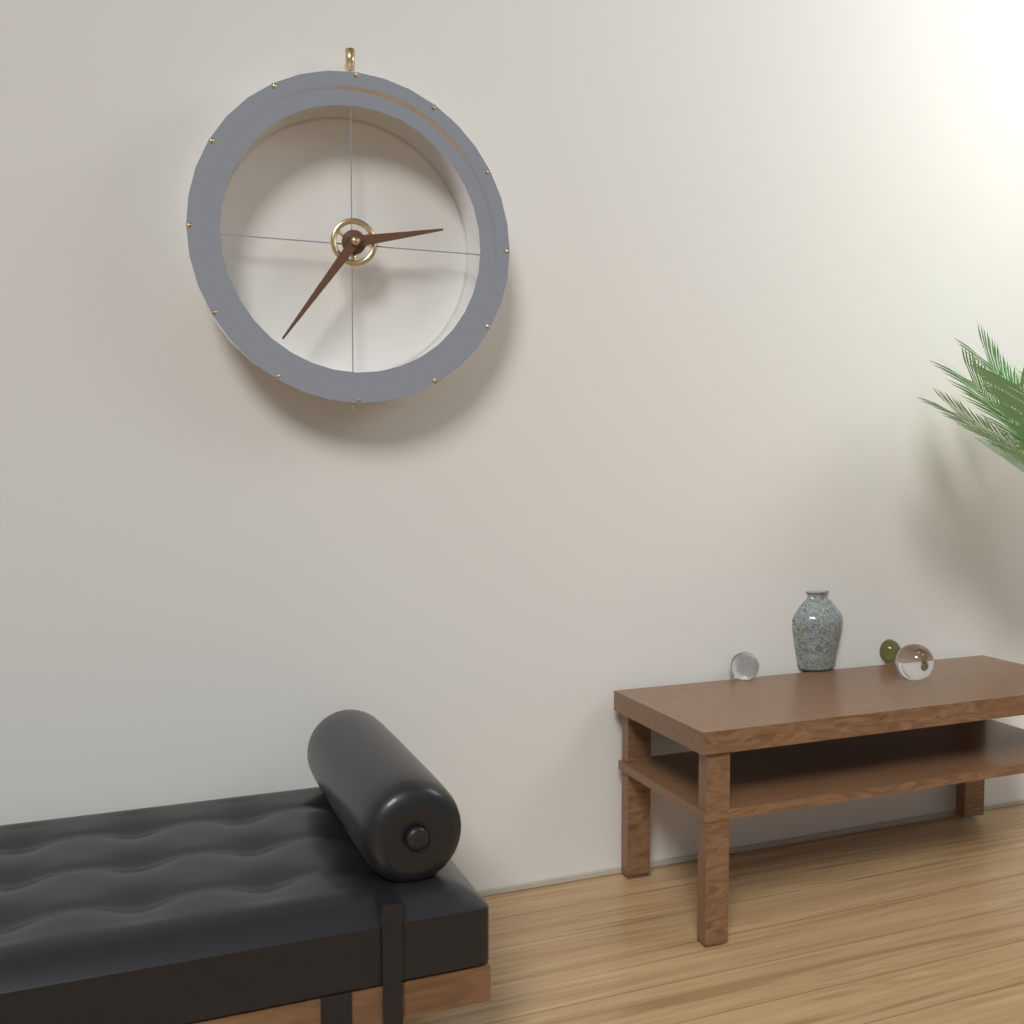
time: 2:36
